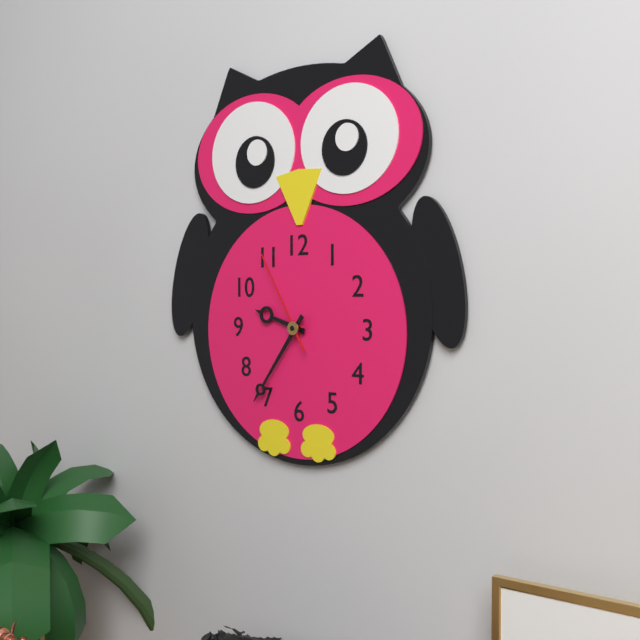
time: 9:36:55
